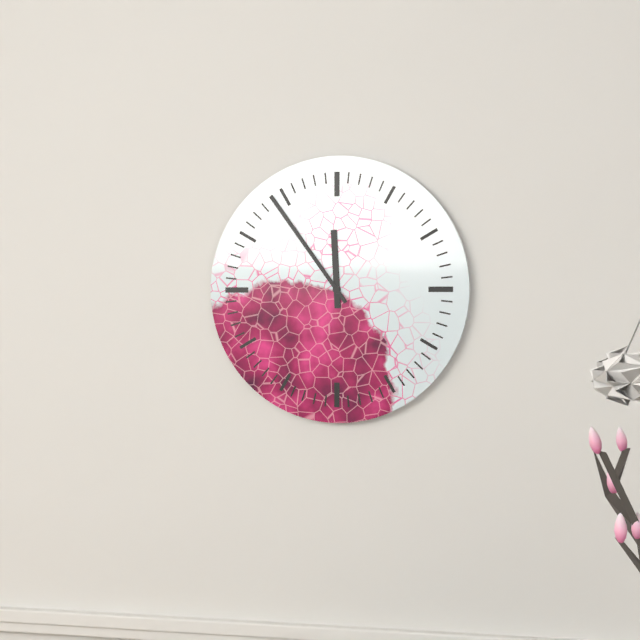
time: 11:54
